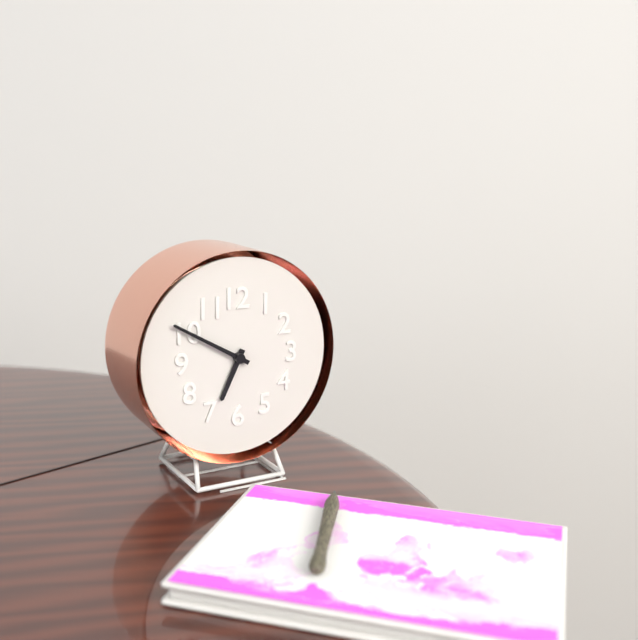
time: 6:50
